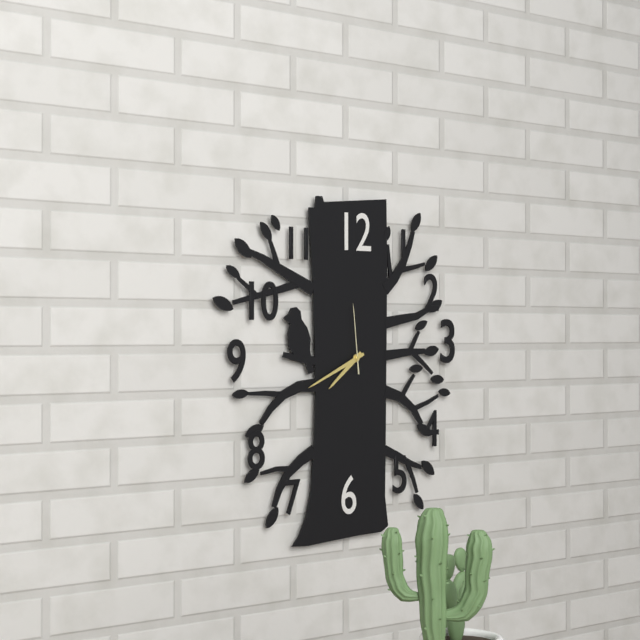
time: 7:41:59
